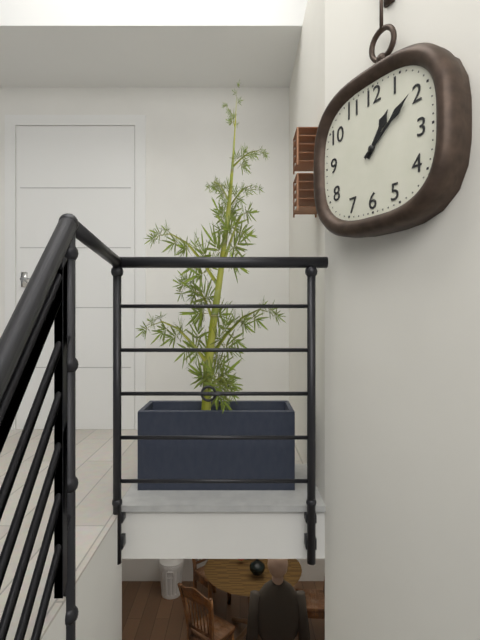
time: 1:09
